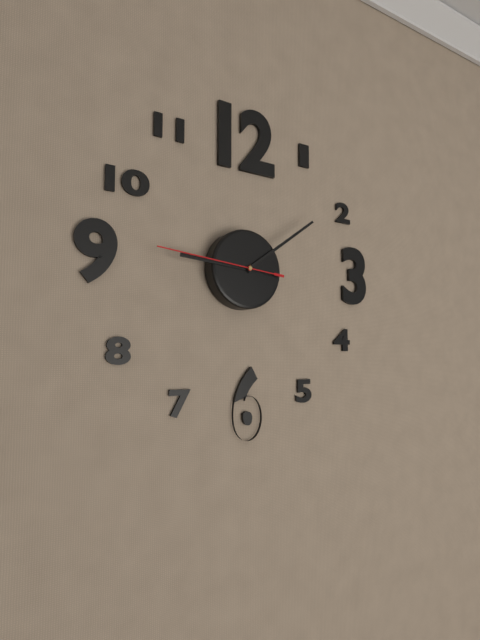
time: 9:09:46
